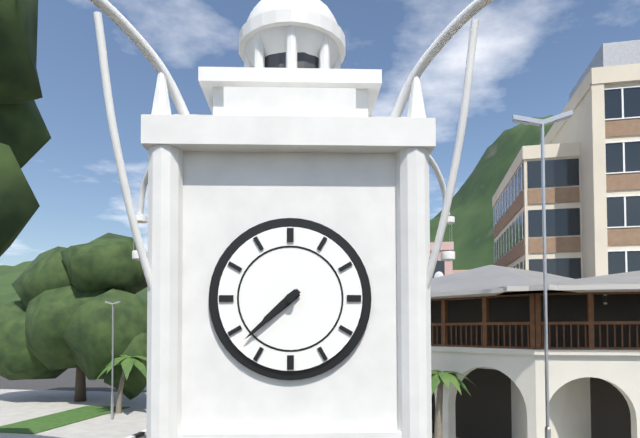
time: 7:38
